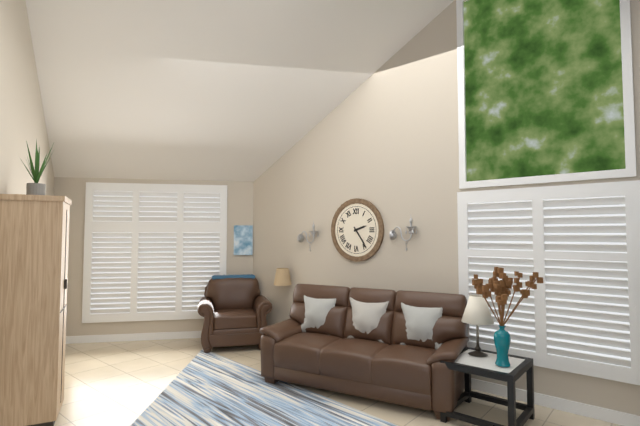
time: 2:24
